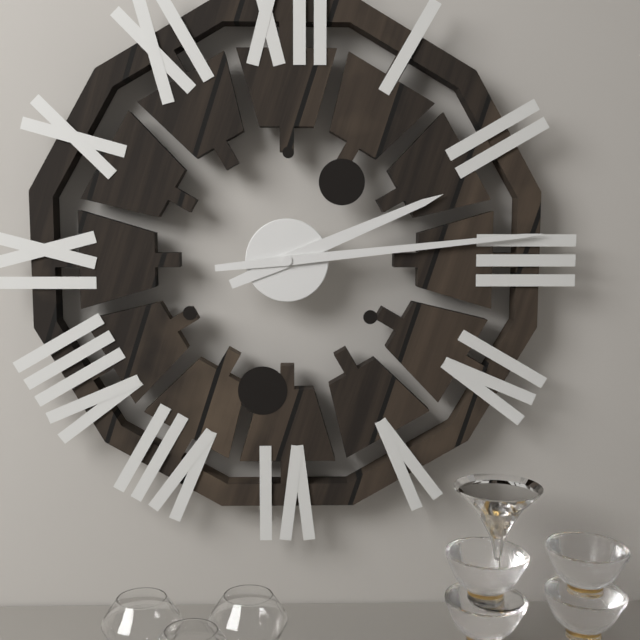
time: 2:14
